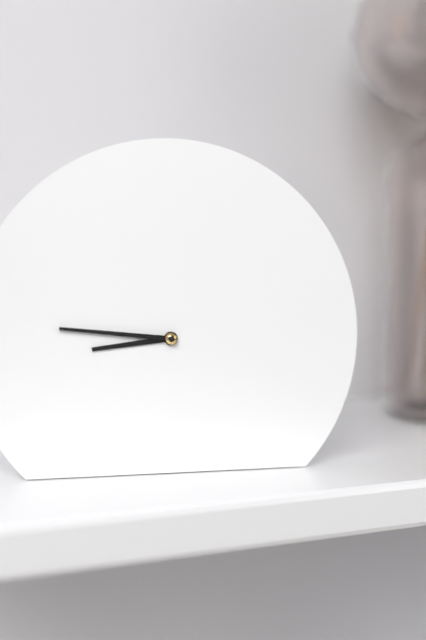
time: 8:46
